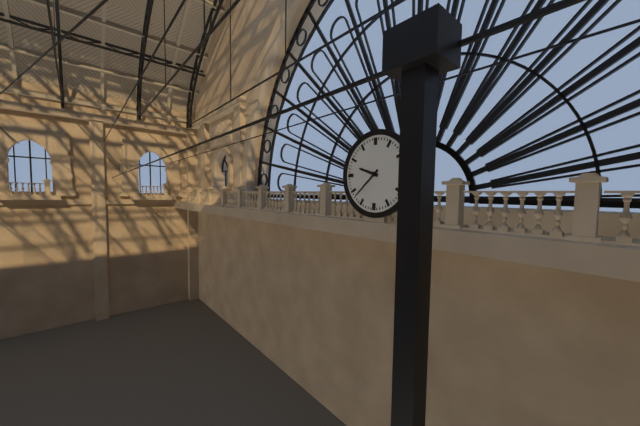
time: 9:38
